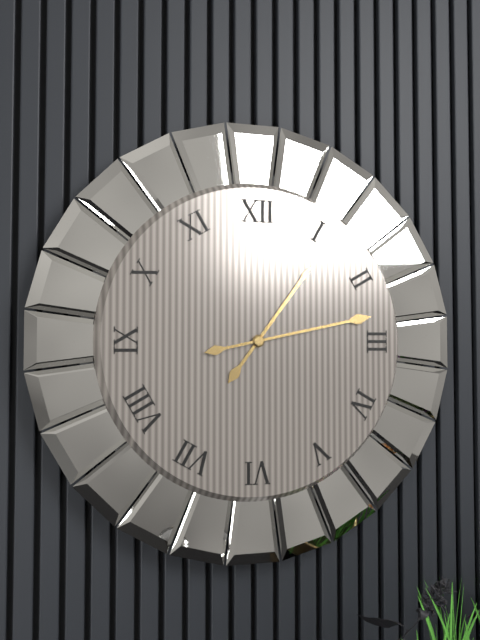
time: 1:13
